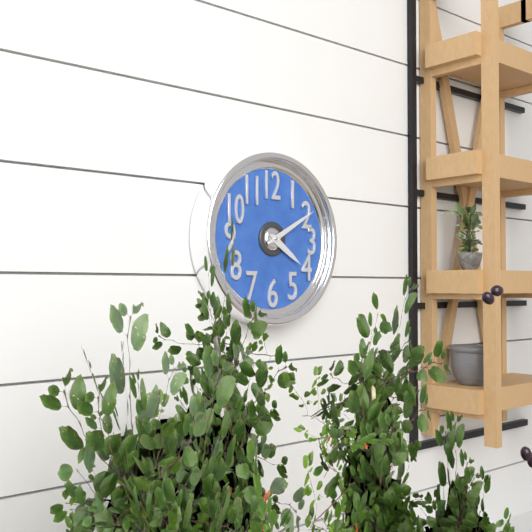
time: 4:10
